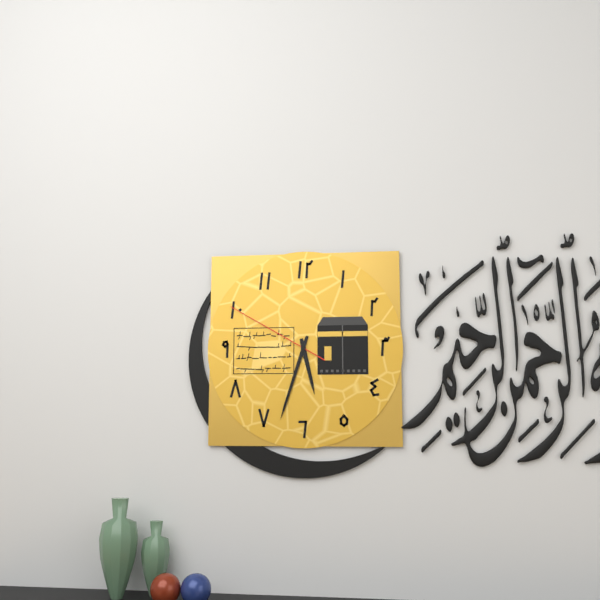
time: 5:33:50
